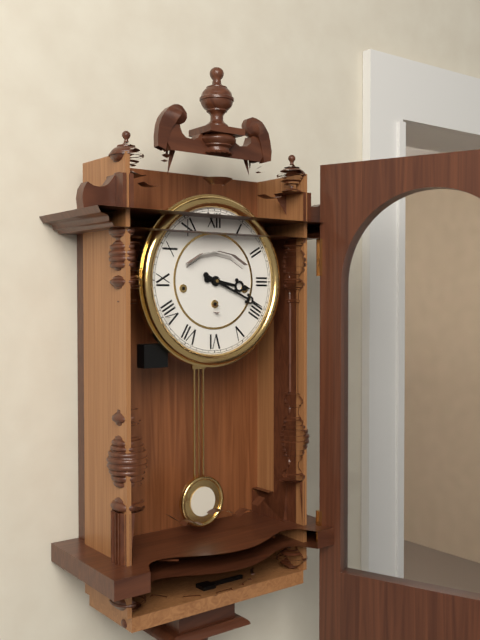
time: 3:19
